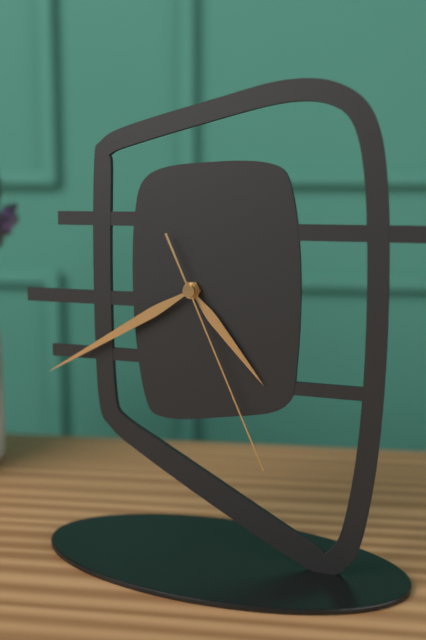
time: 4:40:26
